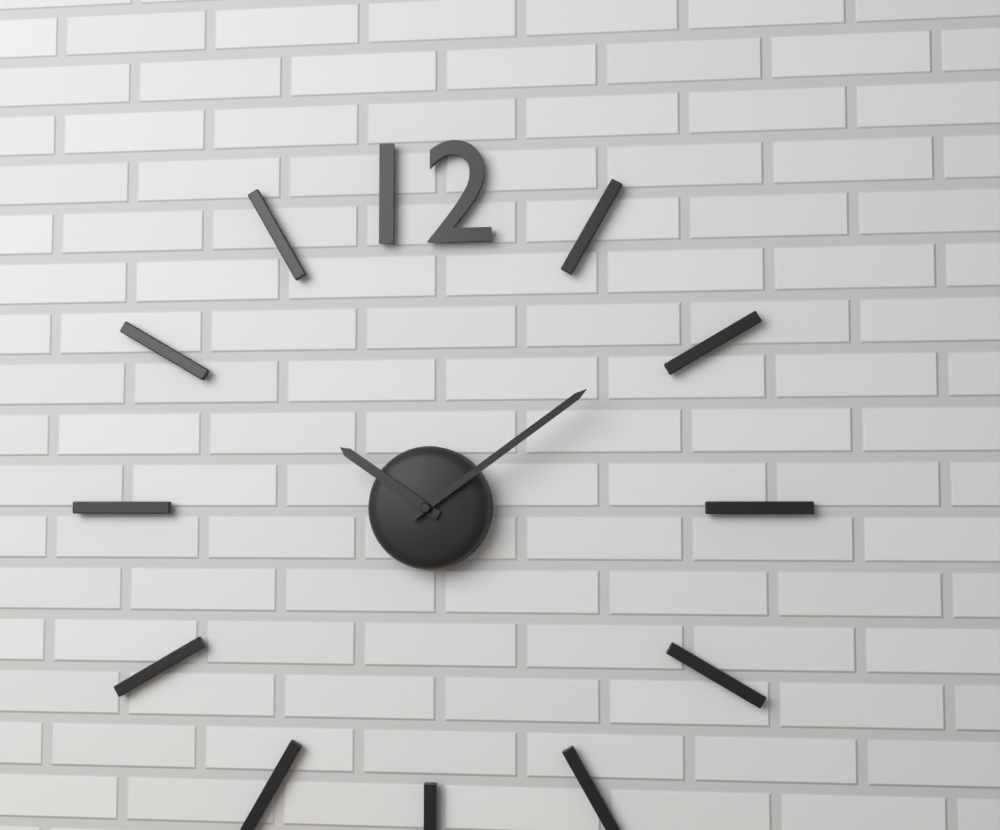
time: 10:09
